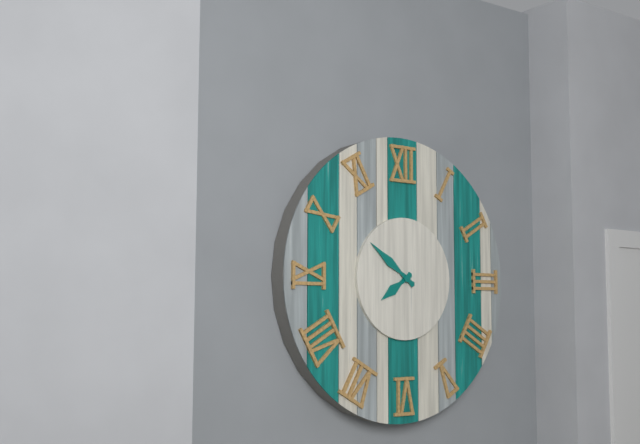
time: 7:51
